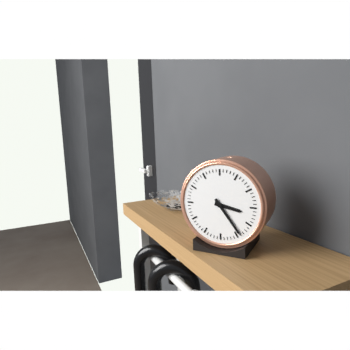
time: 3:24
